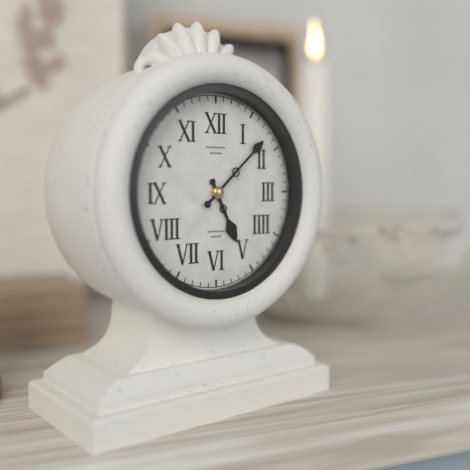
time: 5:08
